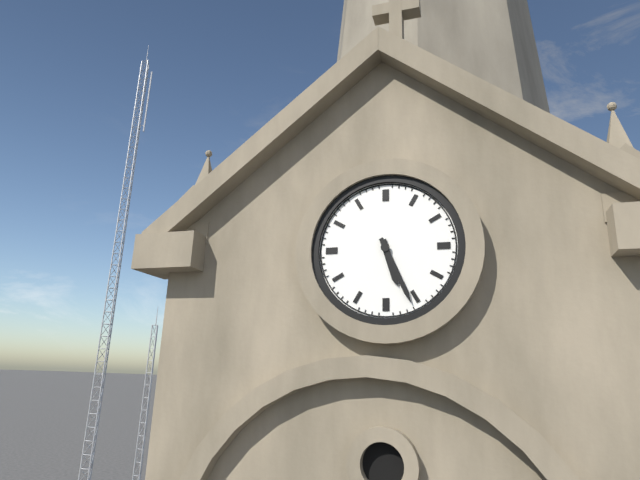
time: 5:26
